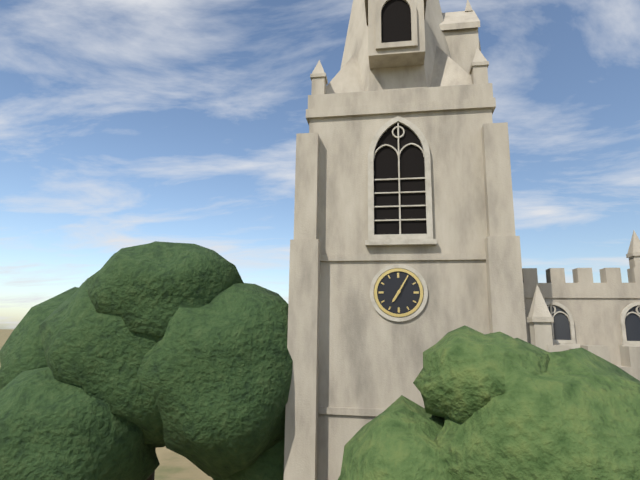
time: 7:05
